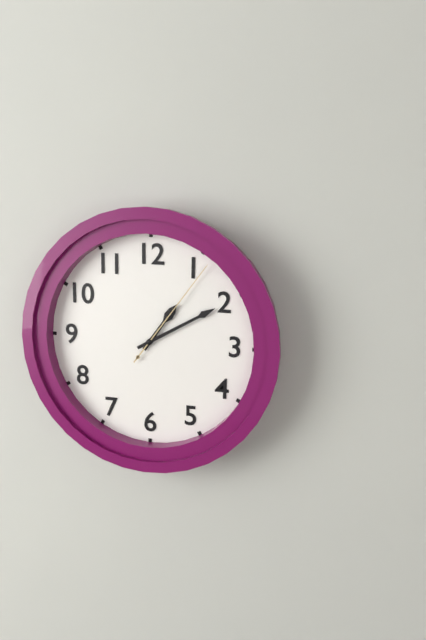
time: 1:10:06
